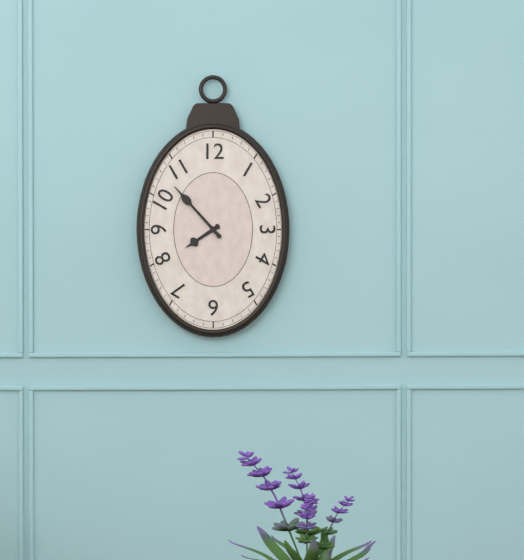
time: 7:53
